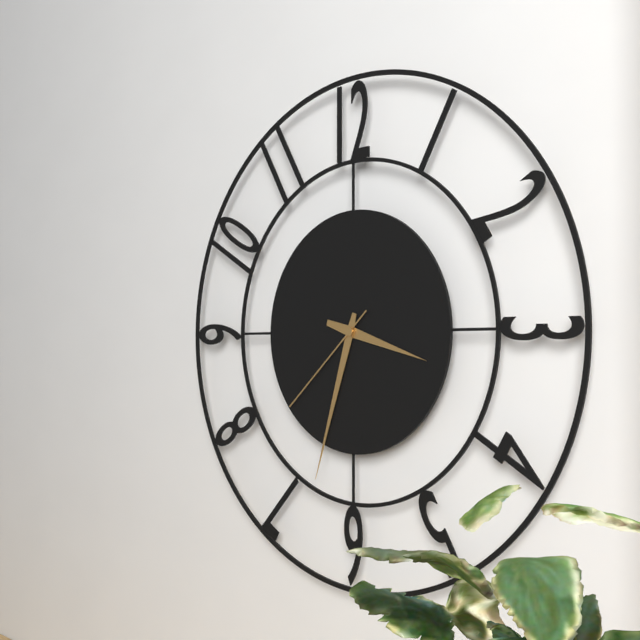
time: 3:33:38
